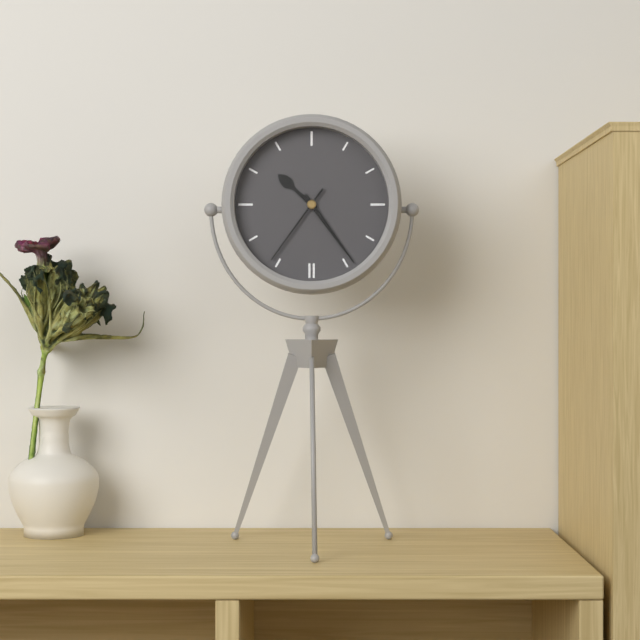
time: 10:24:36
